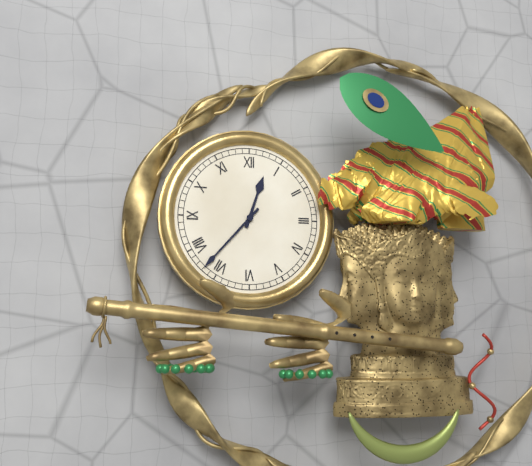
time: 12:37
